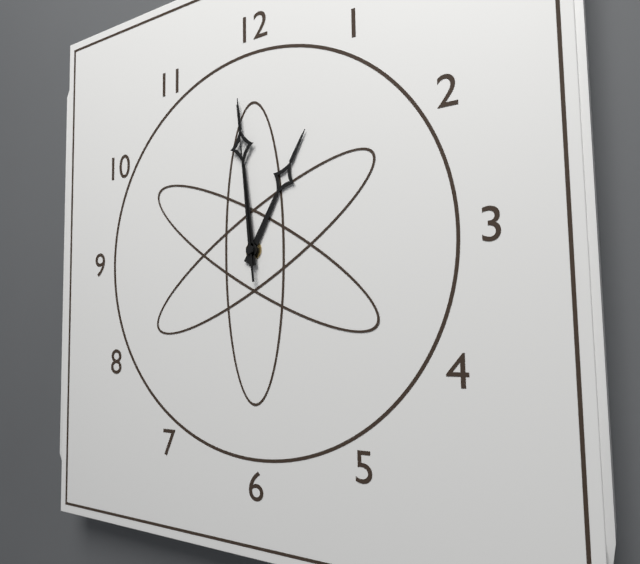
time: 12:59:59
